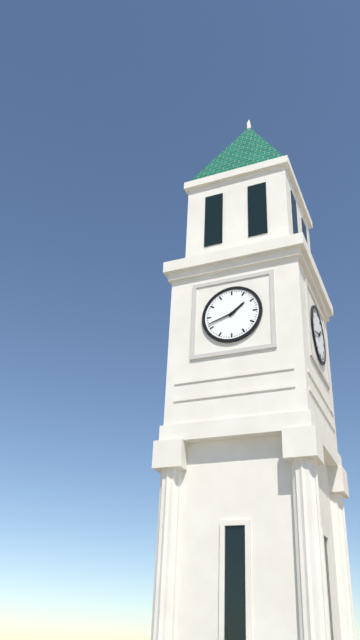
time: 1:42
